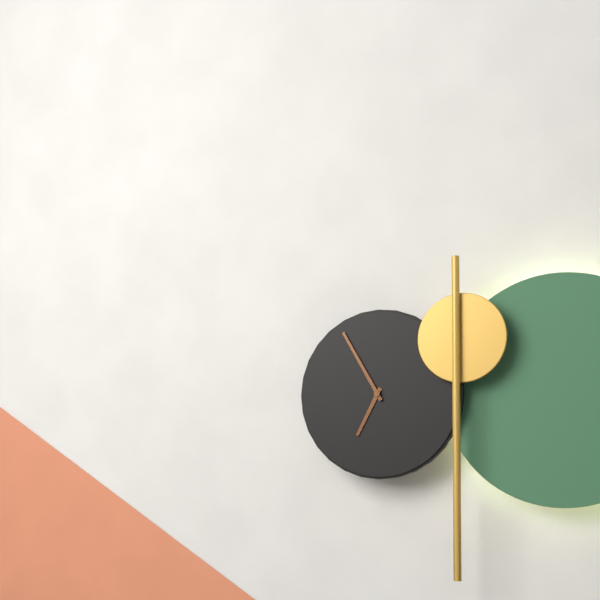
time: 6:55
